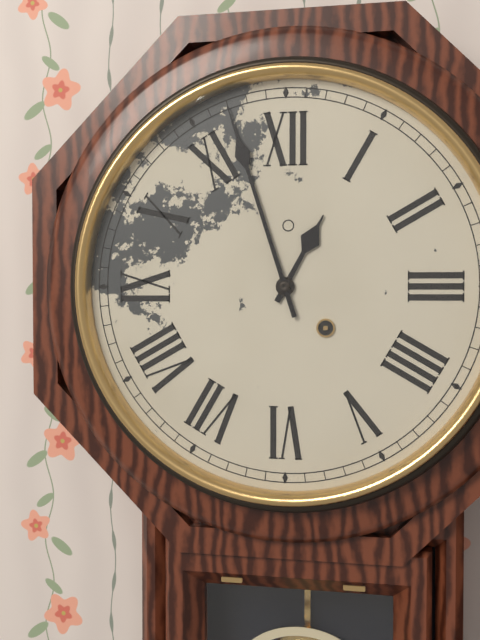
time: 12:57
